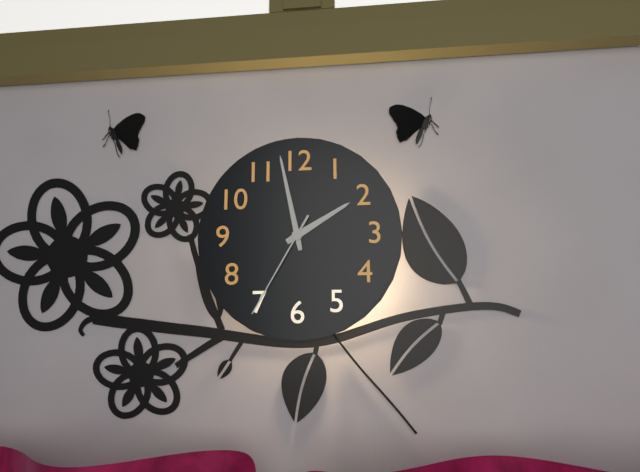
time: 1:58:35
